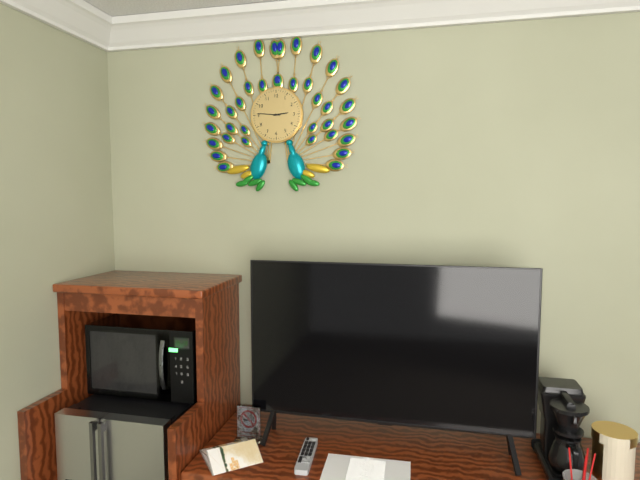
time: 2:46
